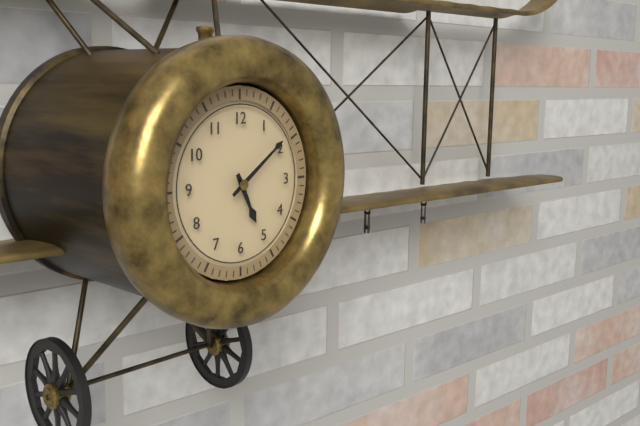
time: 5:09
